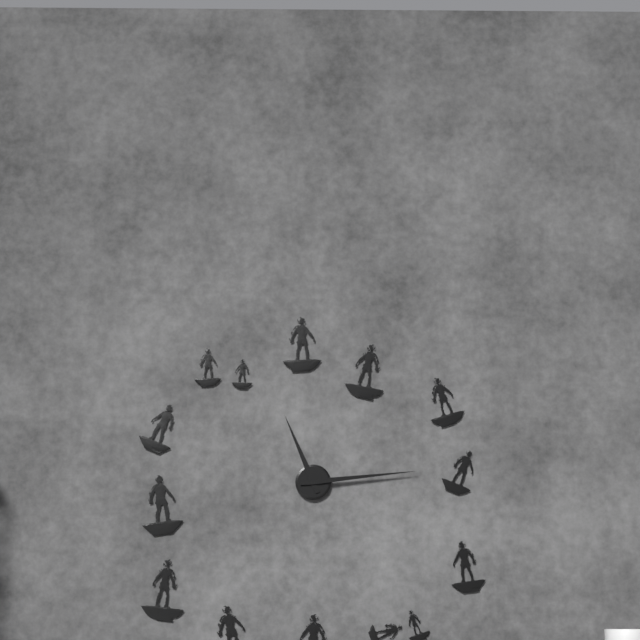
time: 11:14
